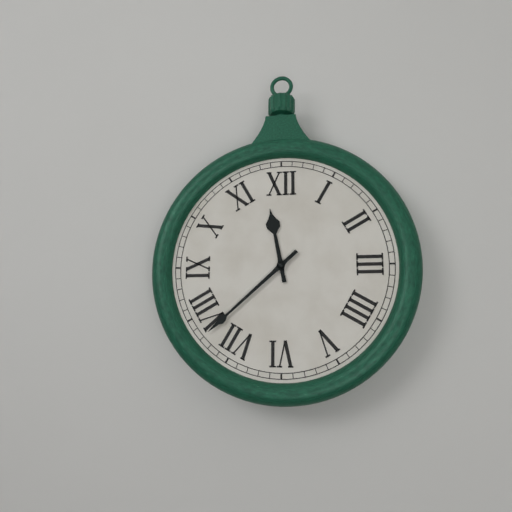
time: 11:38
